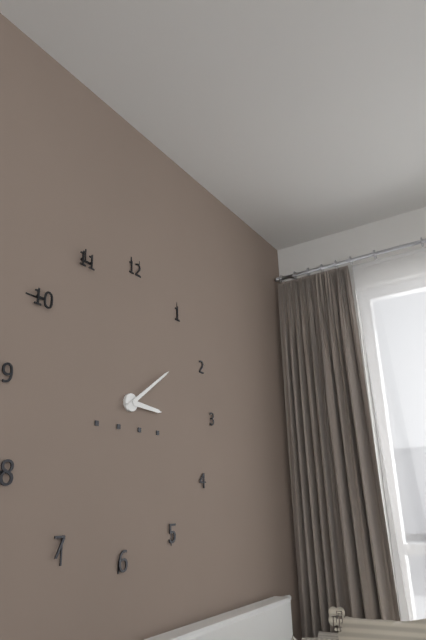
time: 3:09
